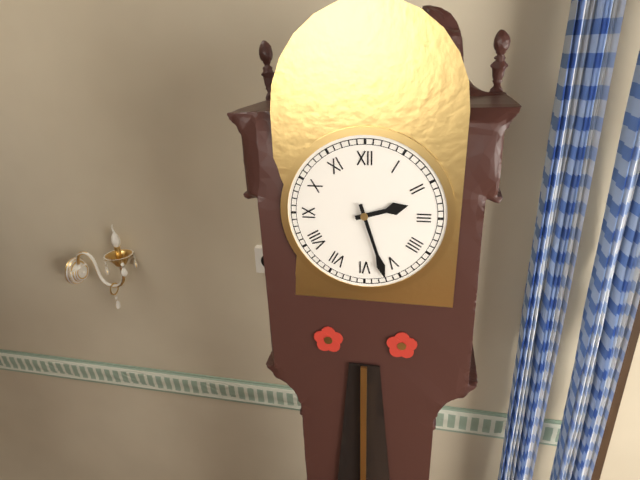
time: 2:27
